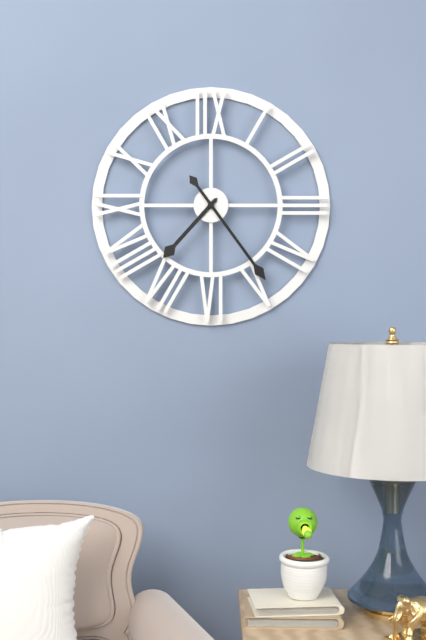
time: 7:24
